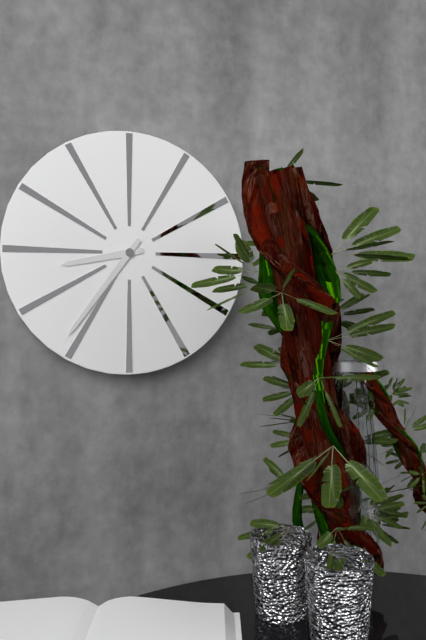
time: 8:36
